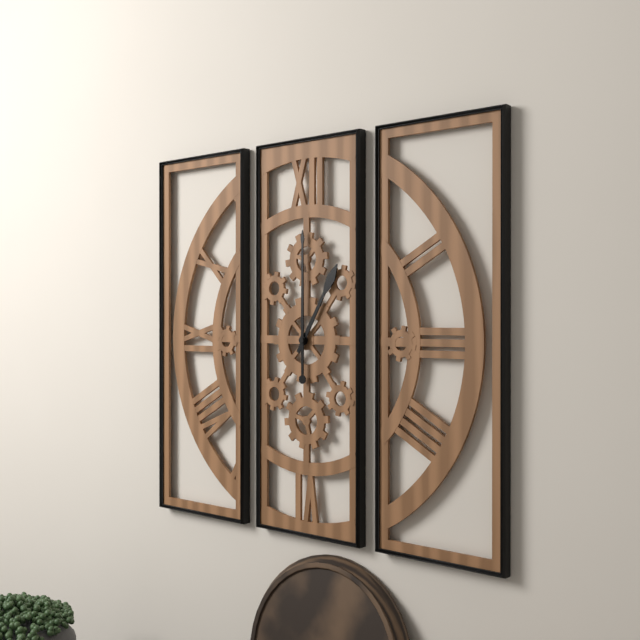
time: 1:00
